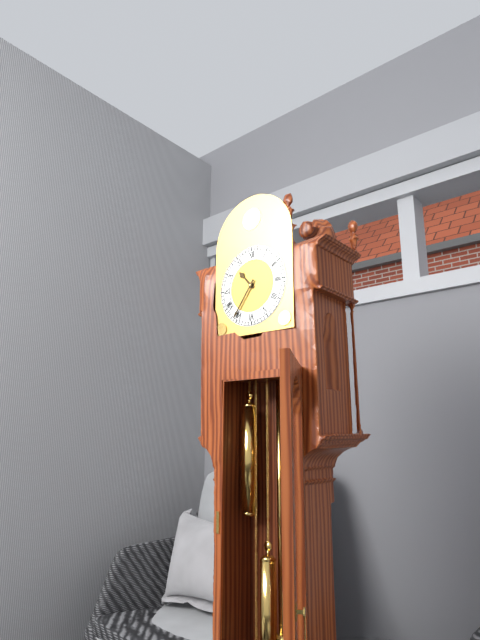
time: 10:36
